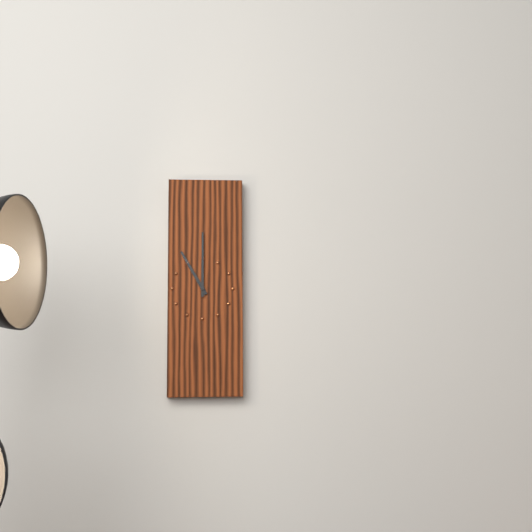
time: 11:00
